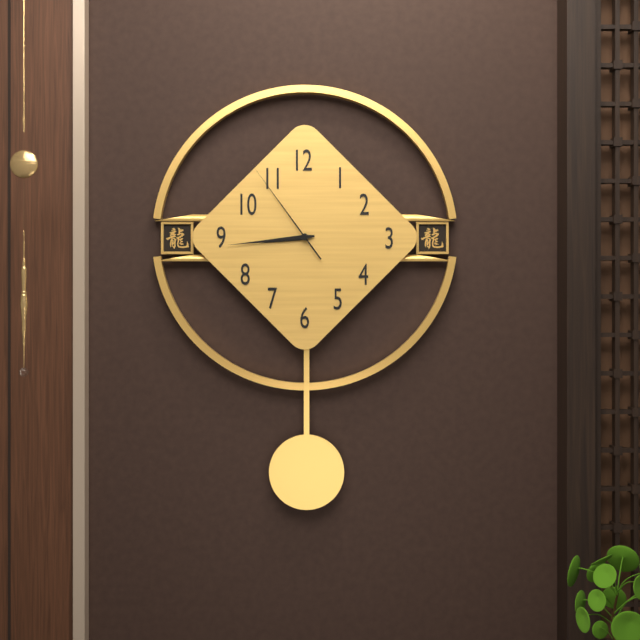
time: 8:44:54
